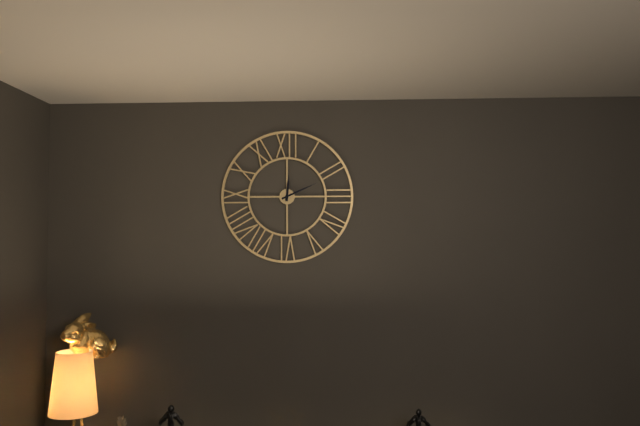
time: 12:11
